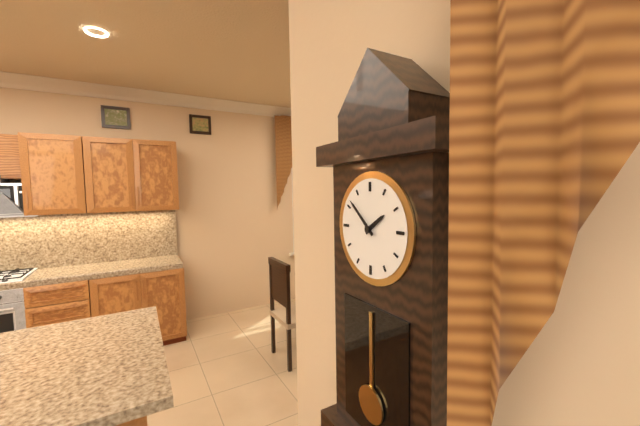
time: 1:52
